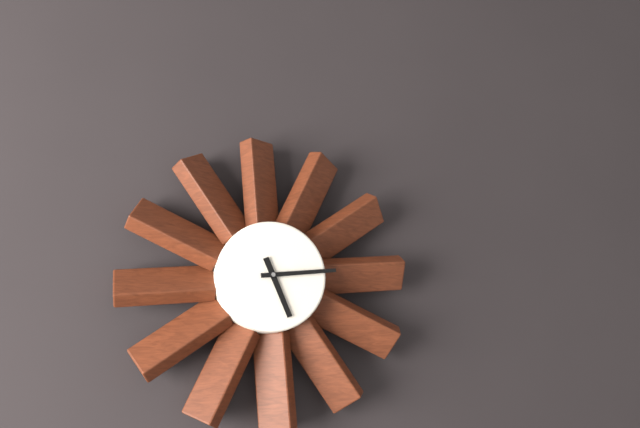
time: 5:14
